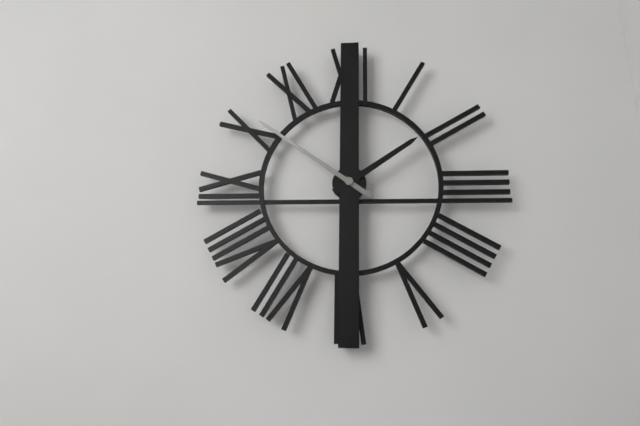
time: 1:51
